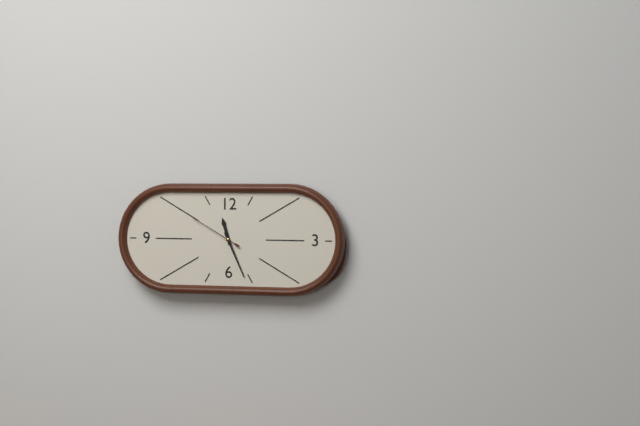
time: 11:26:50
